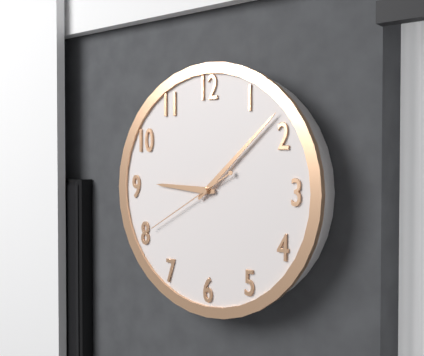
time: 9:08:40
